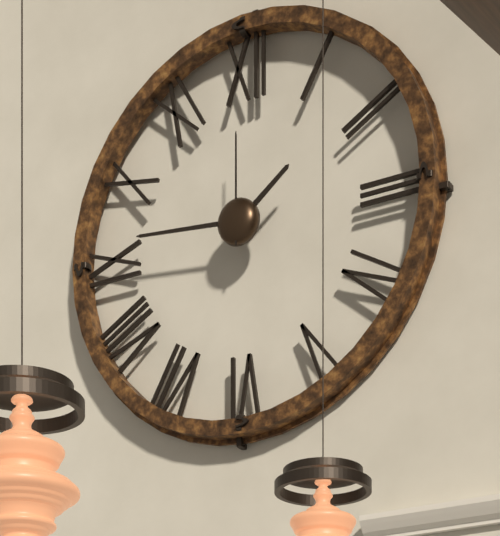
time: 1:46:00
